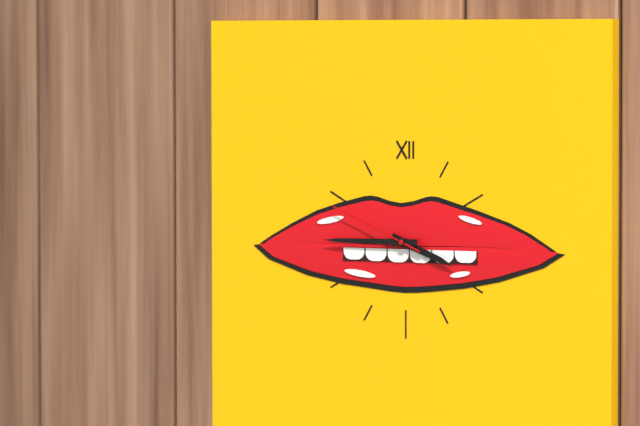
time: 3:45:49
